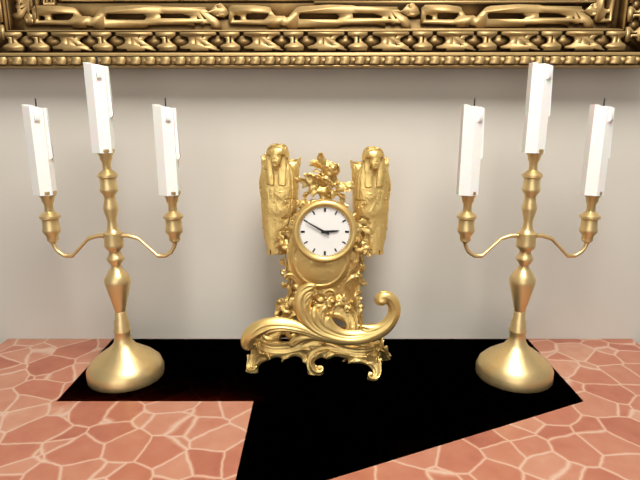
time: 2:50
